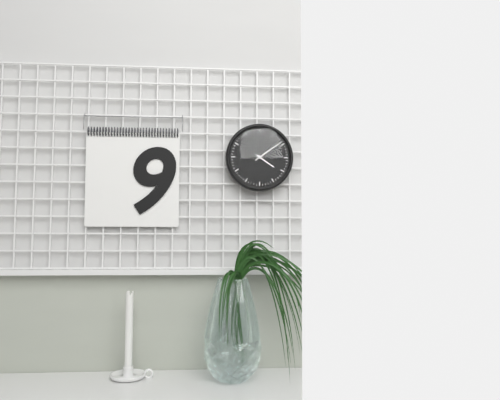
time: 4:09
